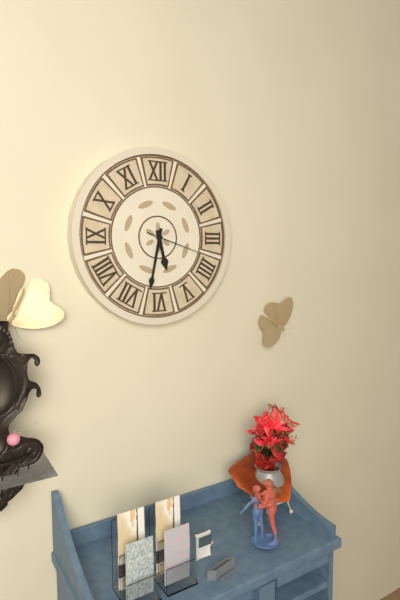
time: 5:32:18
